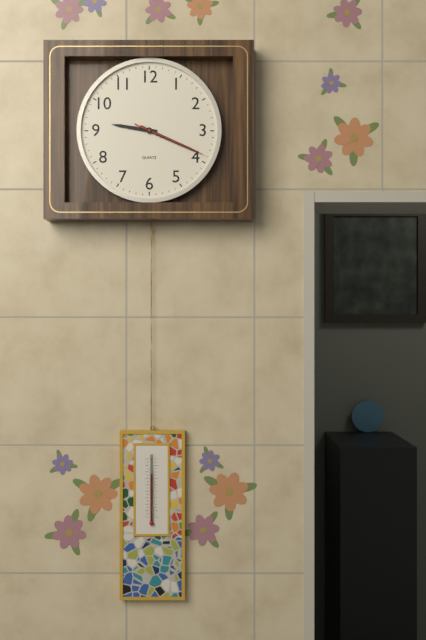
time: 9:19:19
